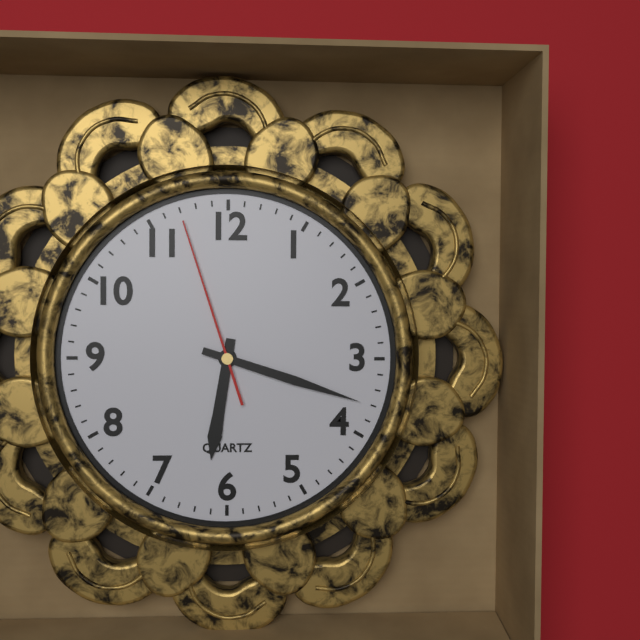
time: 6:18:57
